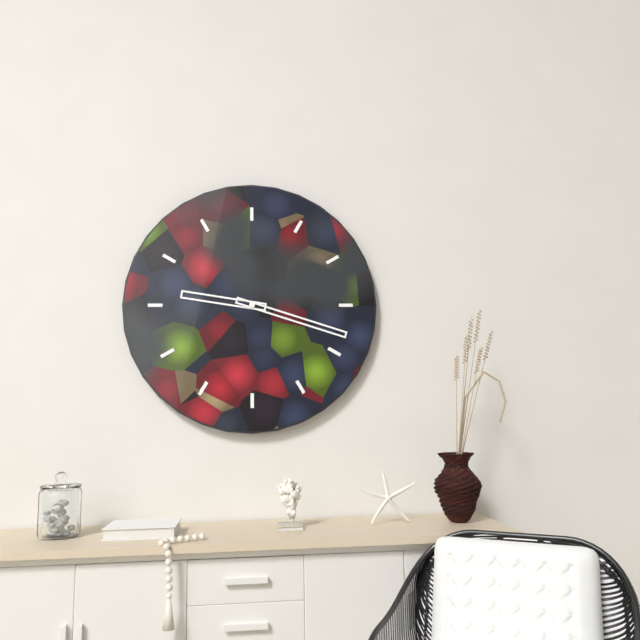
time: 9:18
